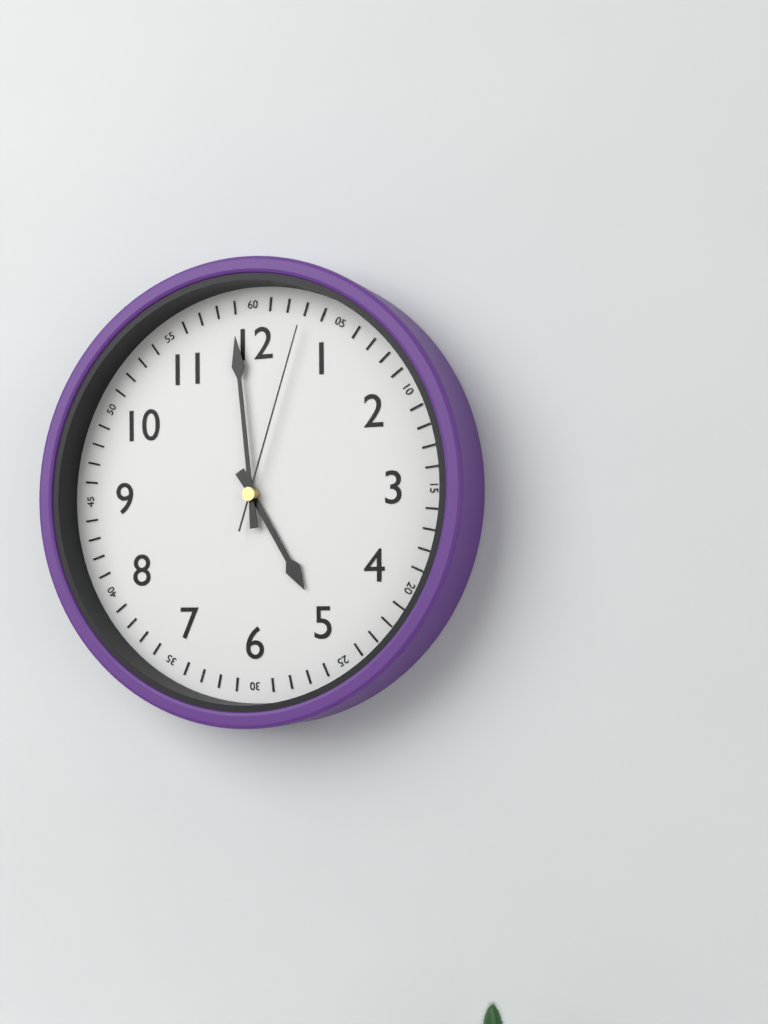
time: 4:59:03
